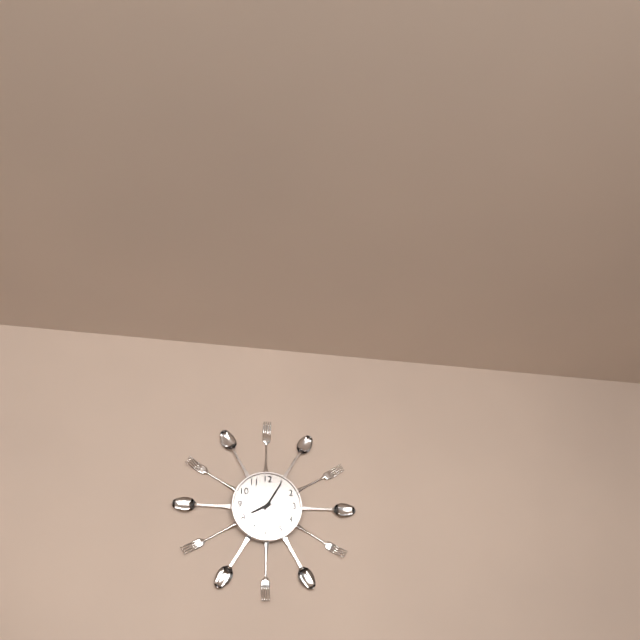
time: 8:05
